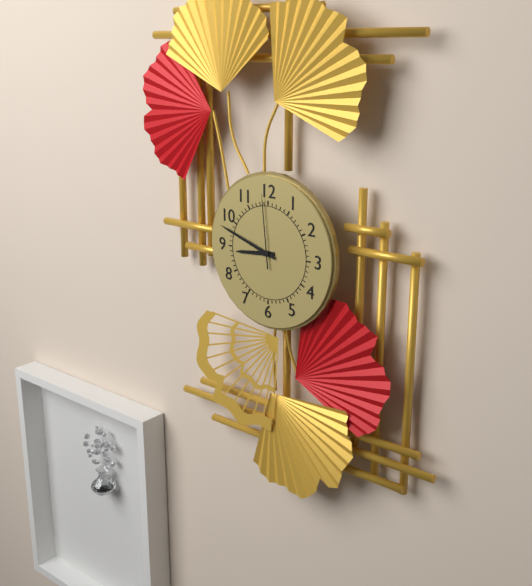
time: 8:48:59
